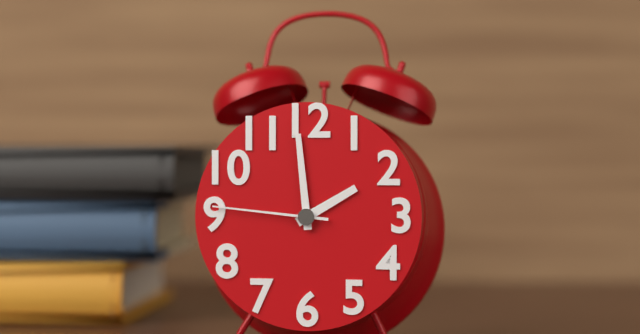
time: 1:59:46
